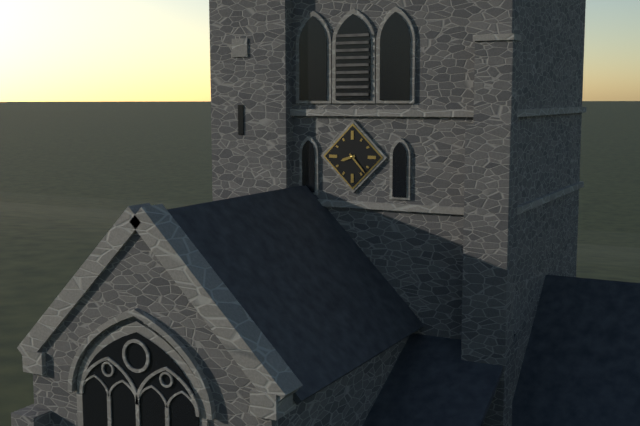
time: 8:23
